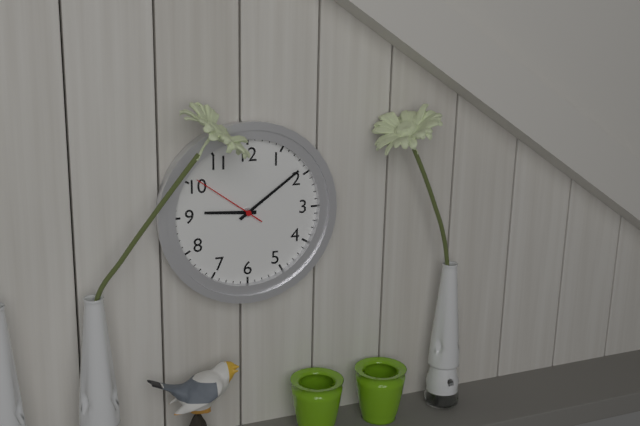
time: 9:09:51
